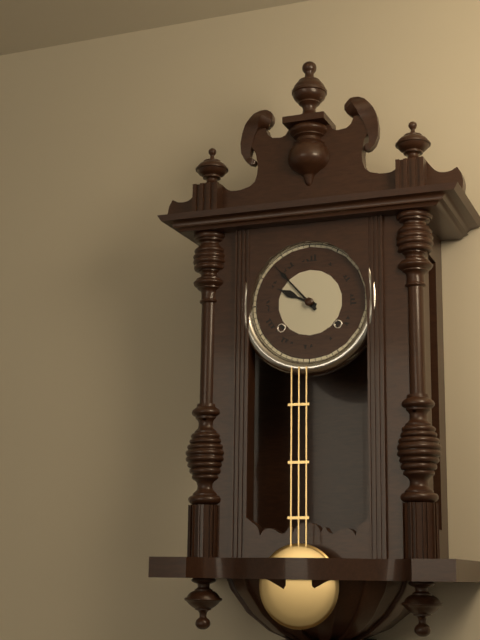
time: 9:53
